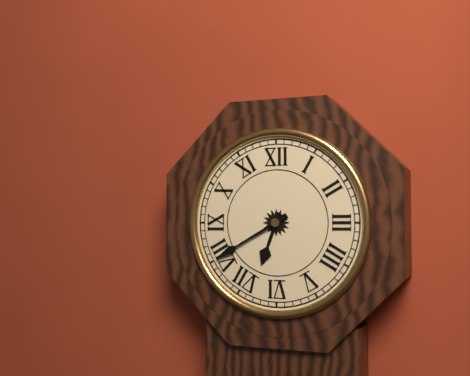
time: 6:40
